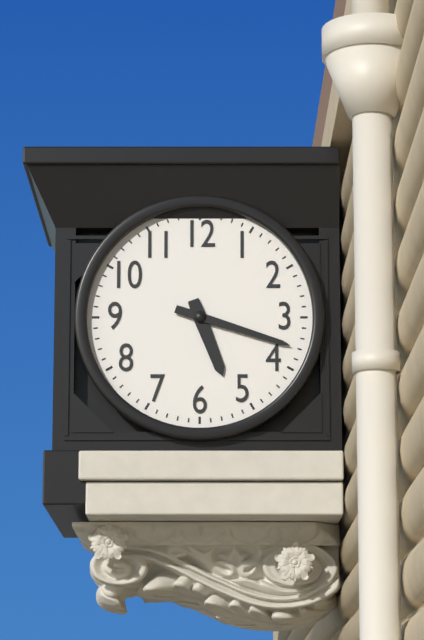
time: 5:18
